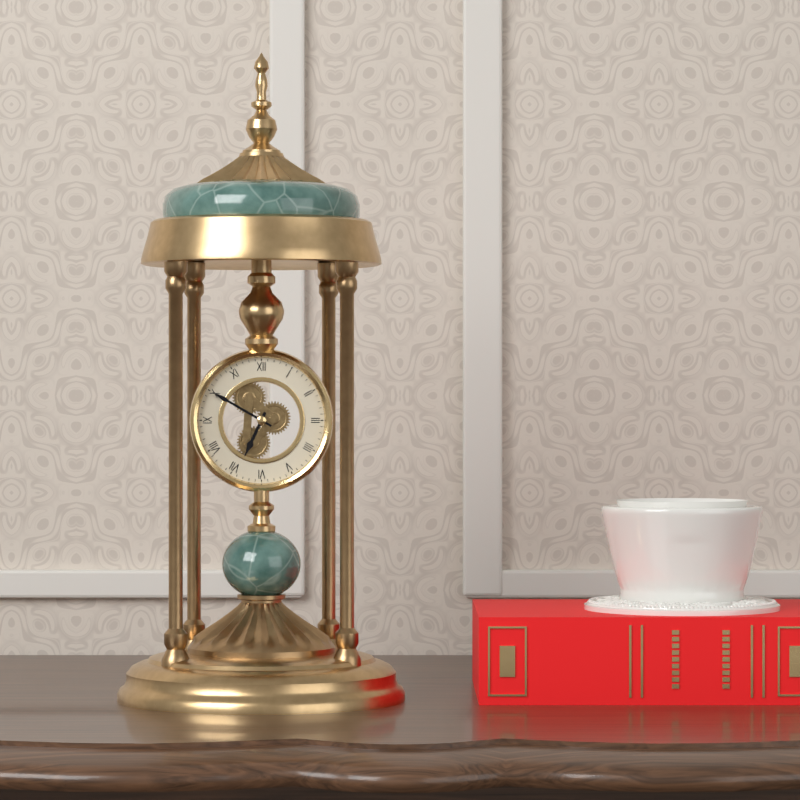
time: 6:50
